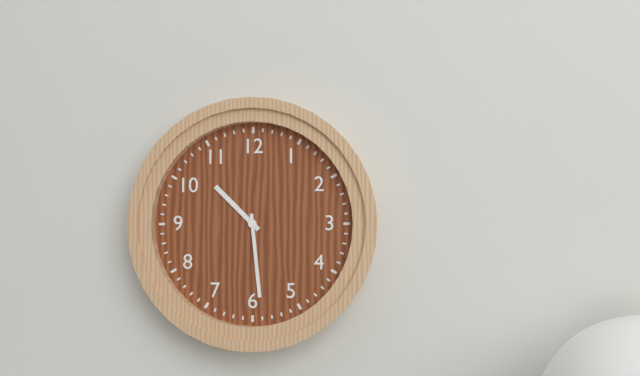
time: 10:29
